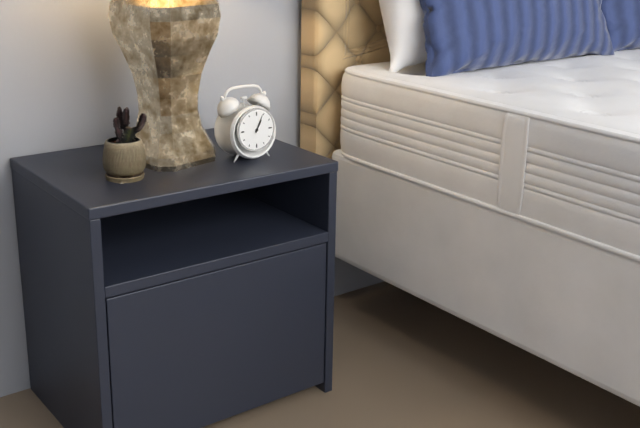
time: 1:04
